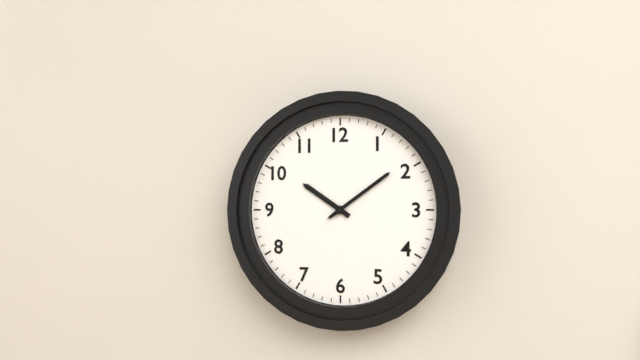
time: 10:09:09
